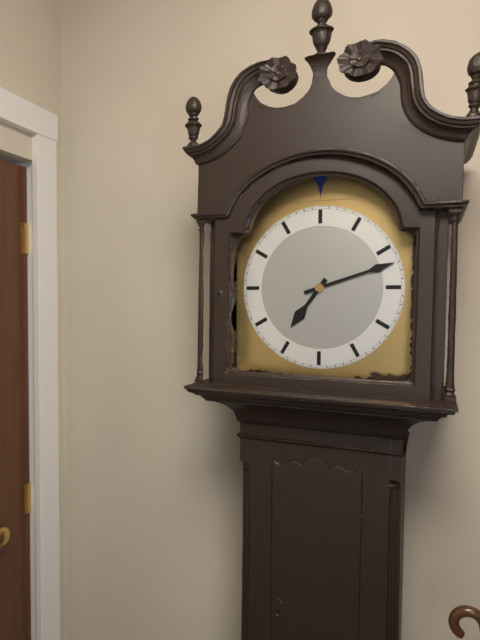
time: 7:12
